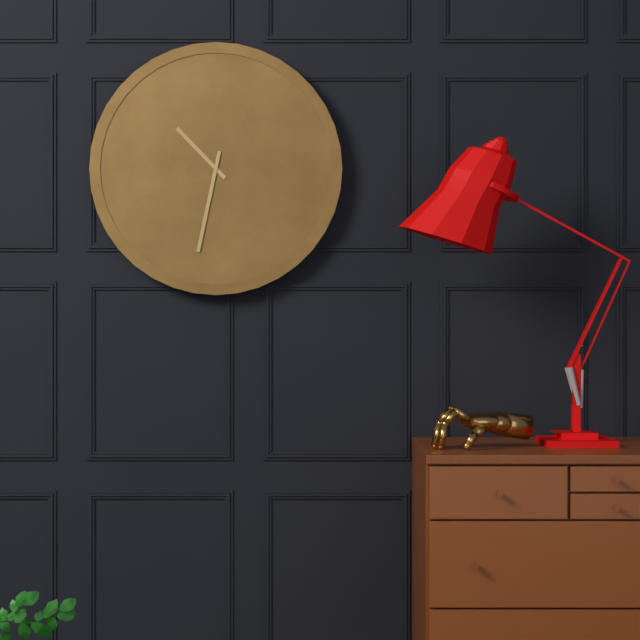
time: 10:32
